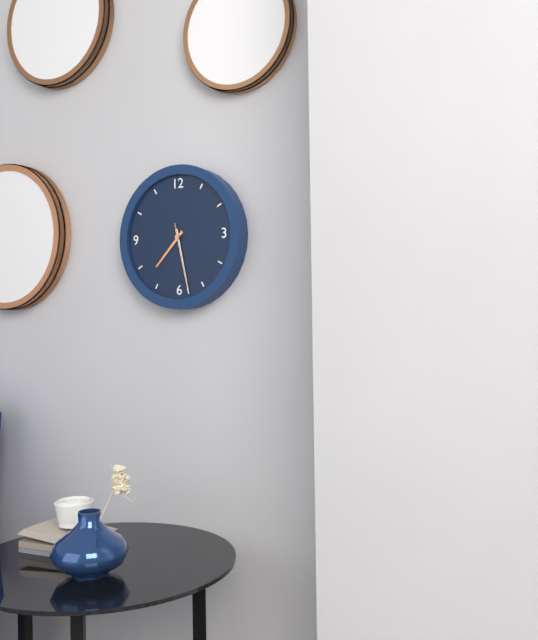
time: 7:28:28
